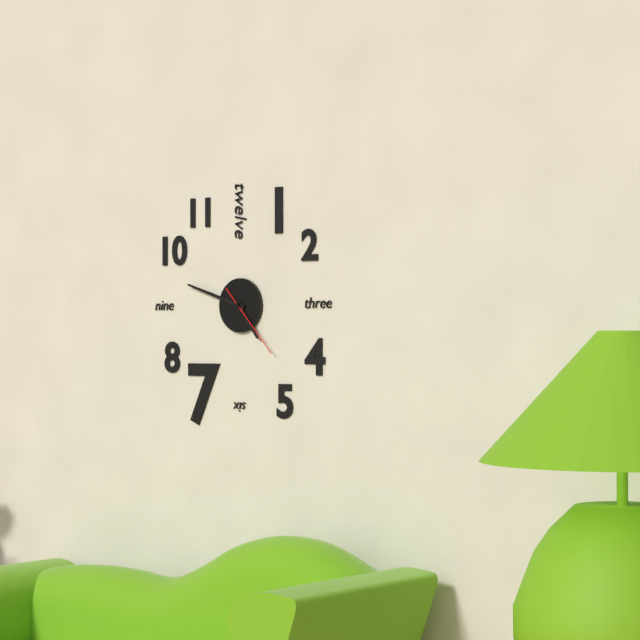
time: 4:48:23
